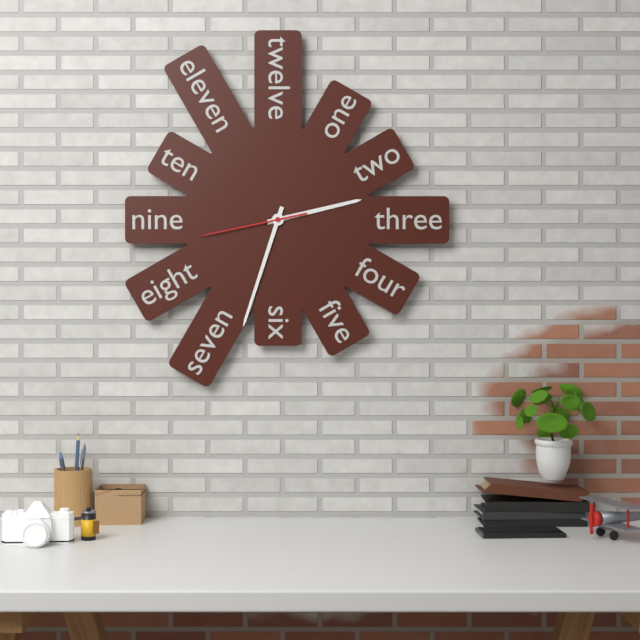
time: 2:33:43
